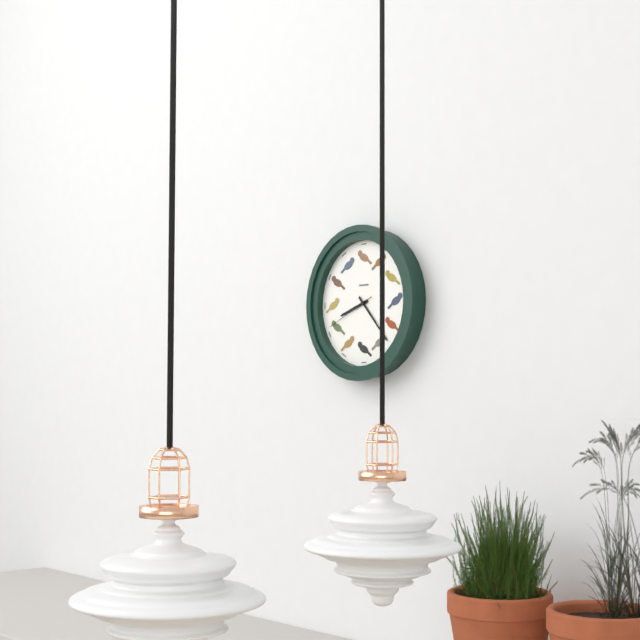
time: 8:23:41
